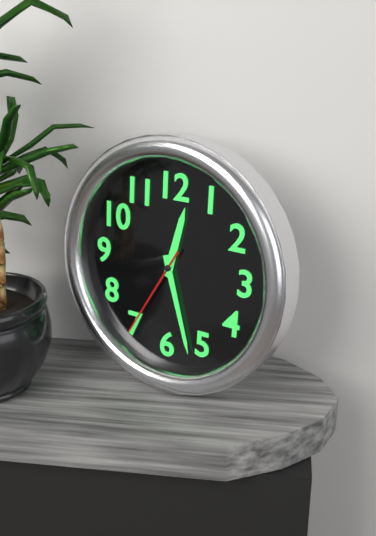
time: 12:27:35
